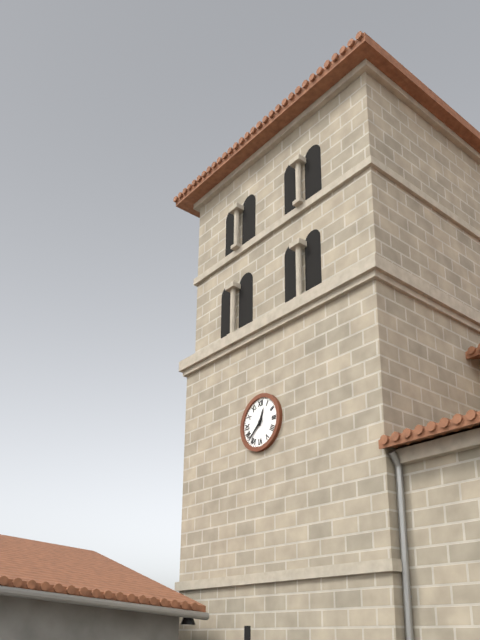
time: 12:38
